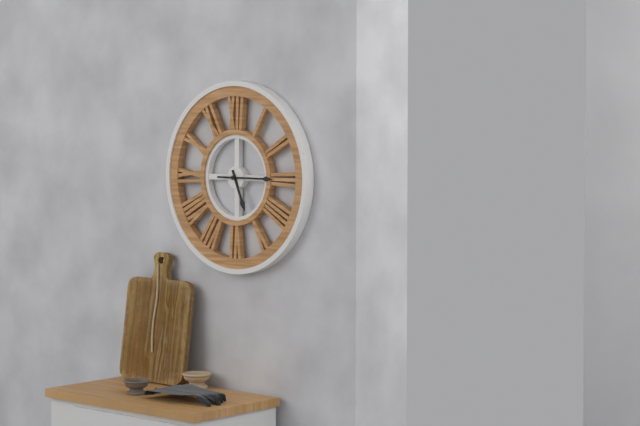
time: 5:15
